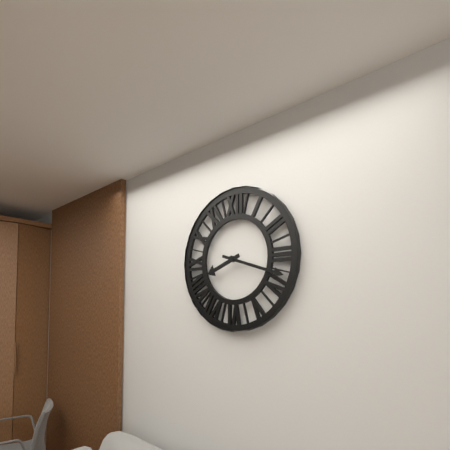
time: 8:18
